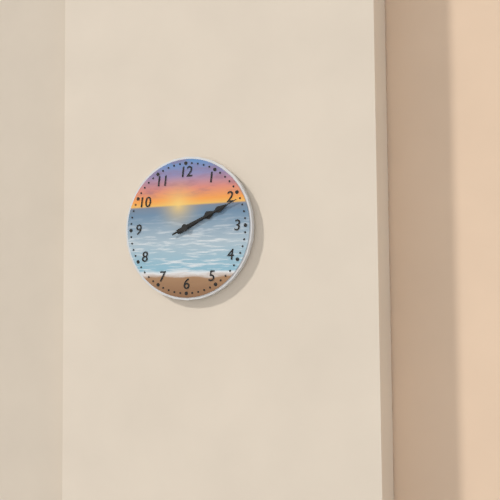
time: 2:11:11
